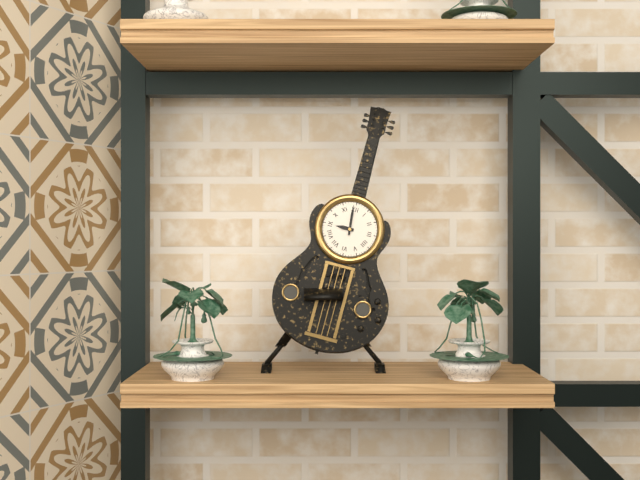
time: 8:59
